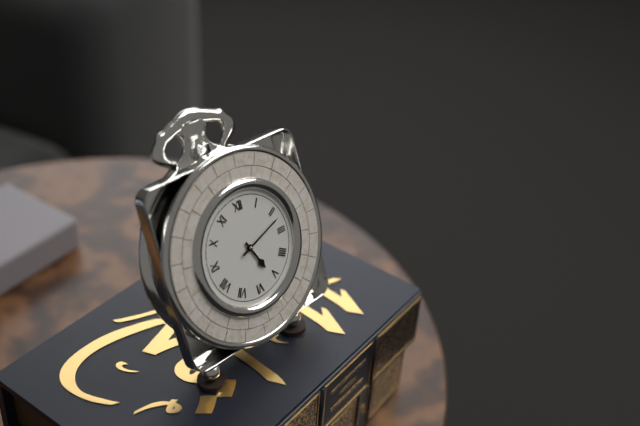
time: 5:12
